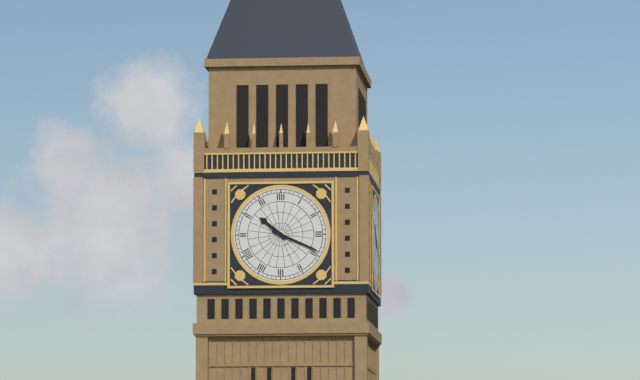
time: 10:19
